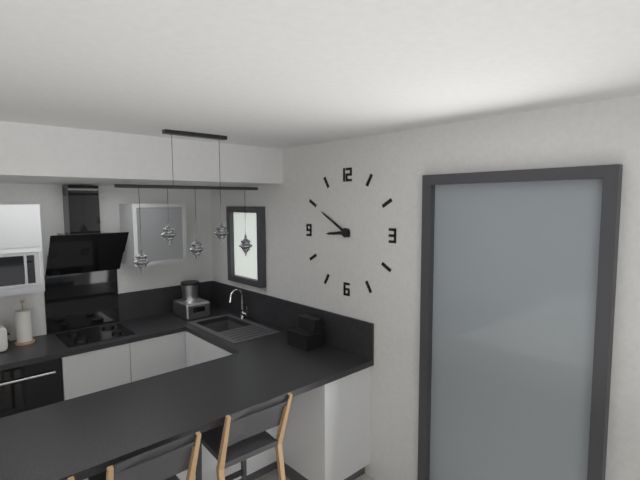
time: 8:50
